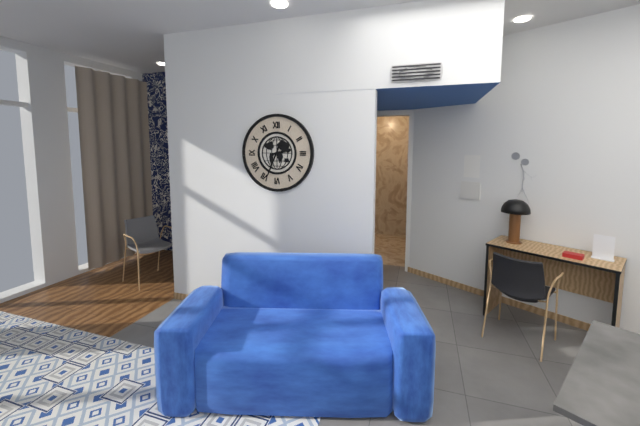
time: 2:34
